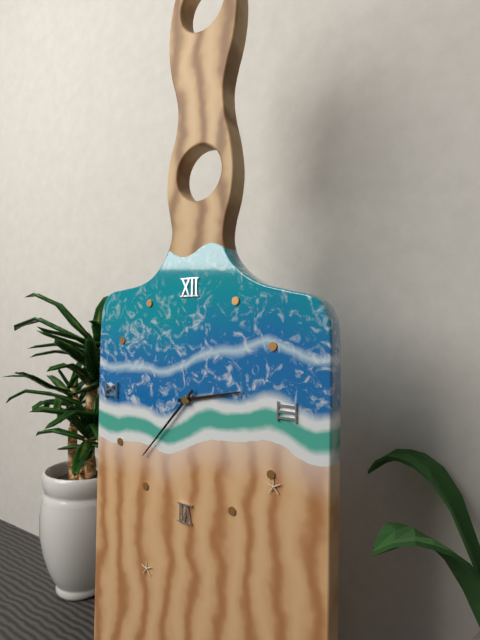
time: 2:37
